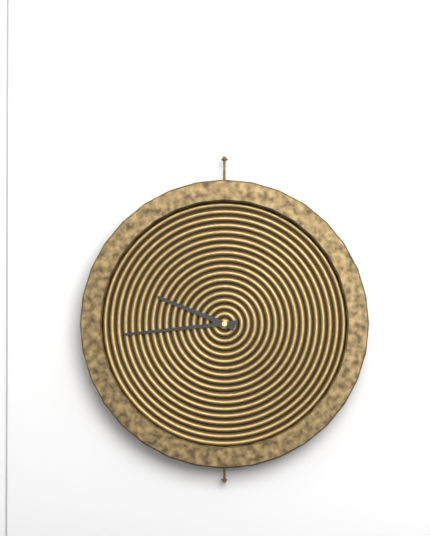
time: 9:44
